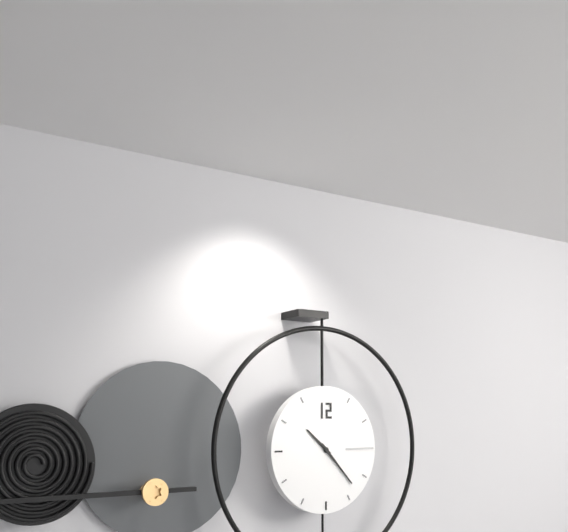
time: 10:23
